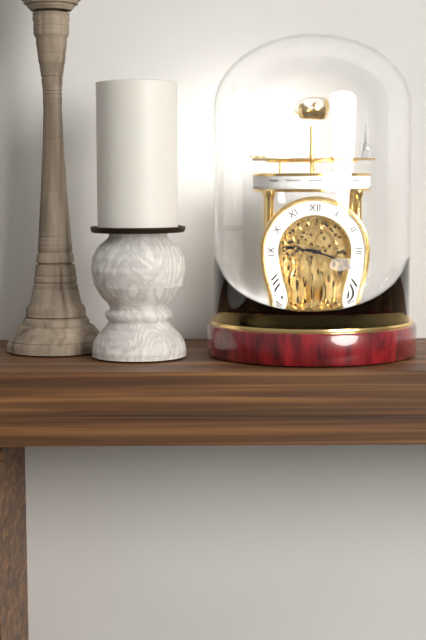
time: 9:18
